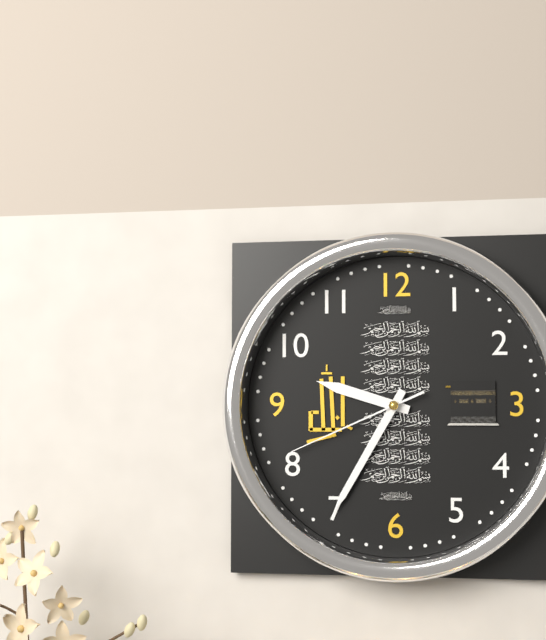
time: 9:35:41
